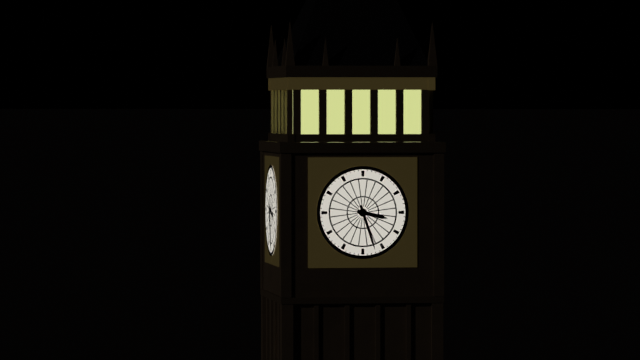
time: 3:27
